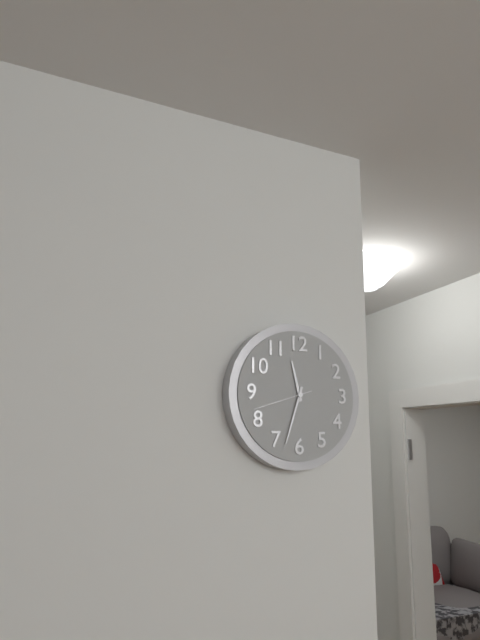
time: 11:33:42
